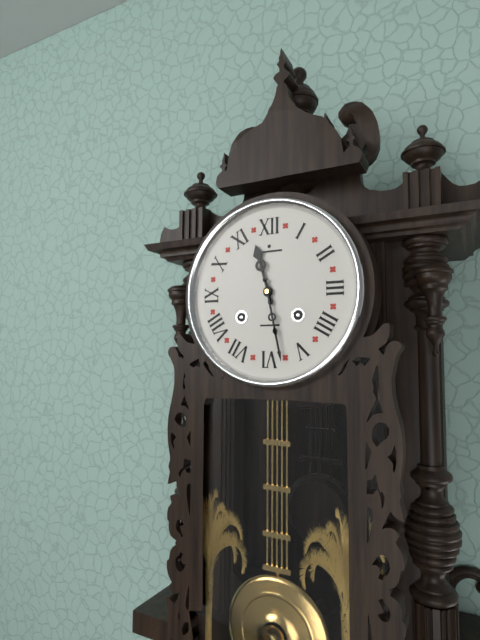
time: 11:28
